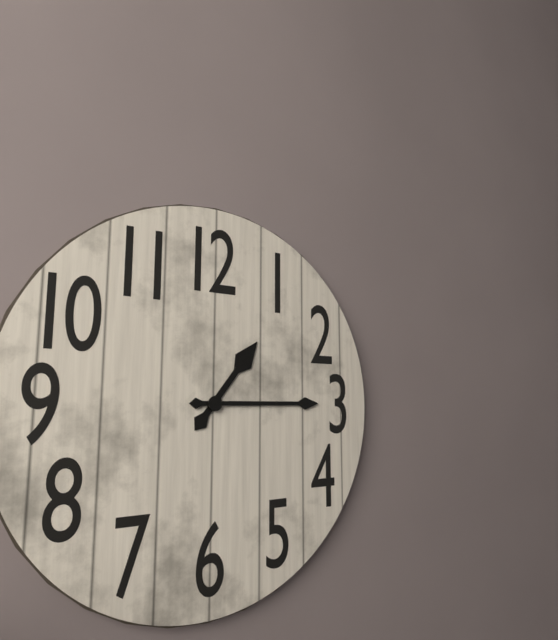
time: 1:15
